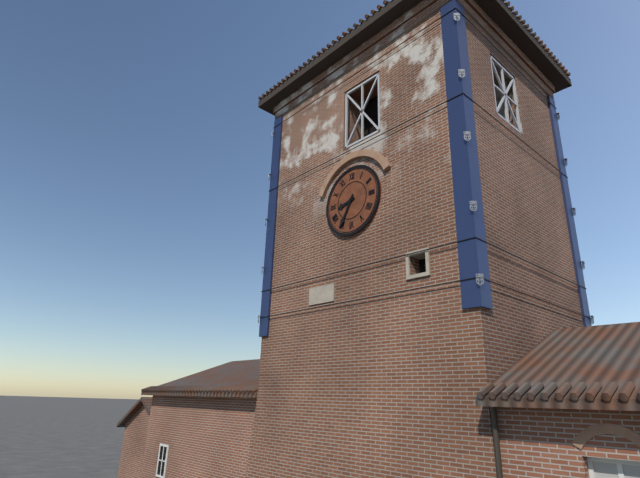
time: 8:35
